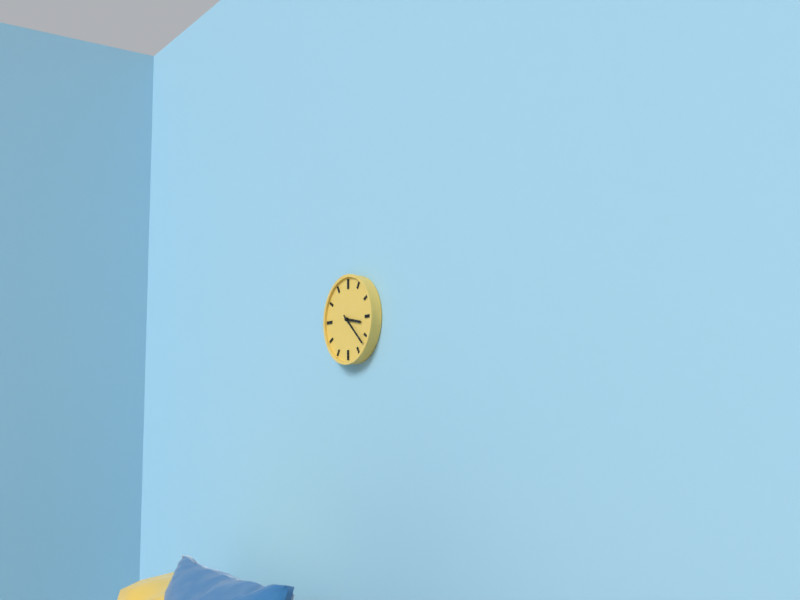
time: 3:22
